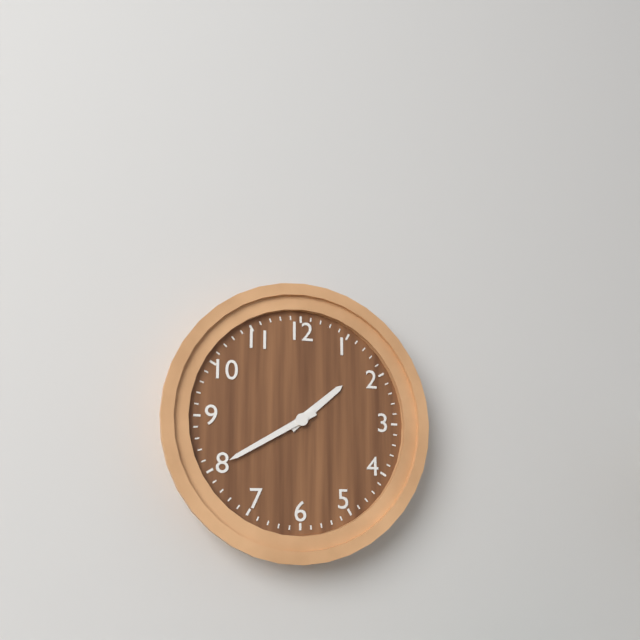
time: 1:40
